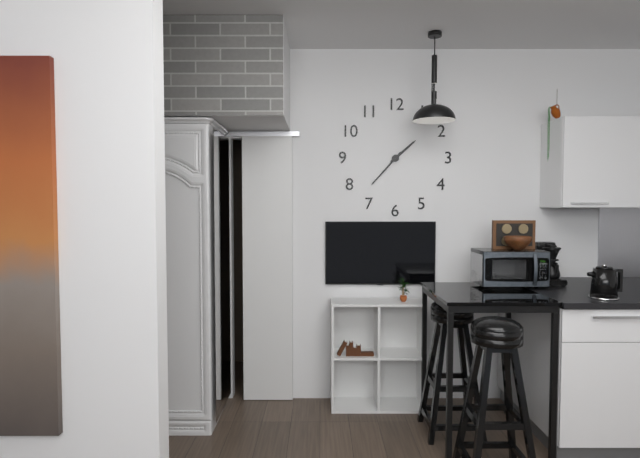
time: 1:37
